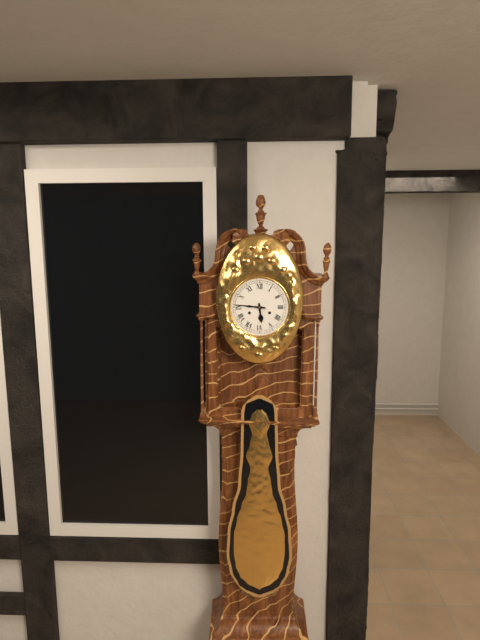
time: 5:46
